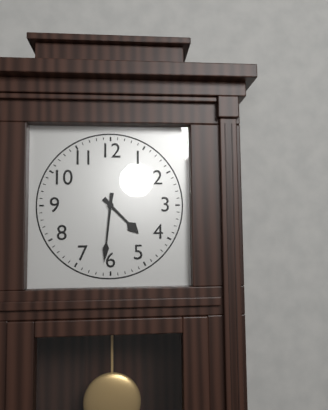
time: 4:31
